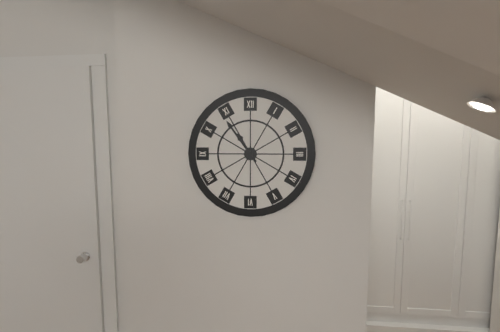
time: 10:54
